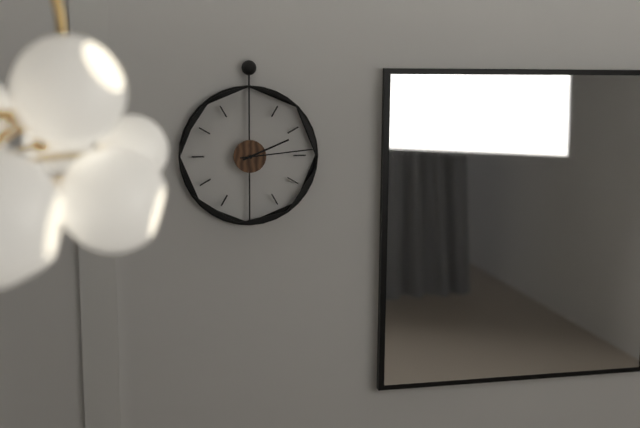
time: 2:14
